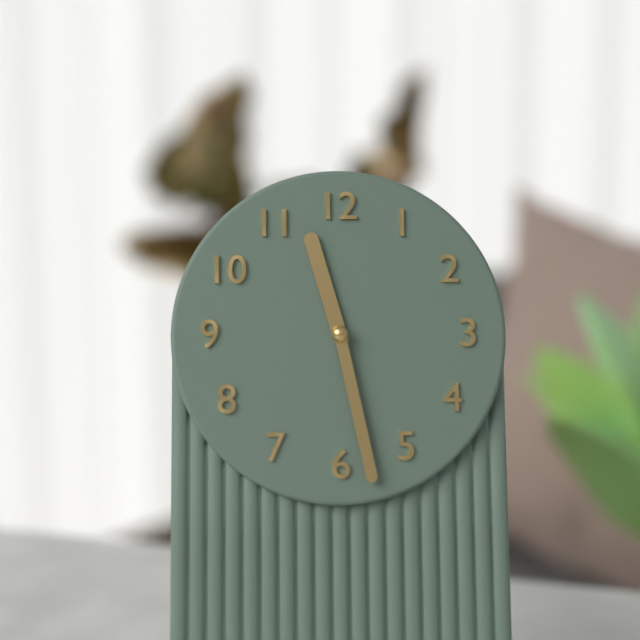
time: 11:28
